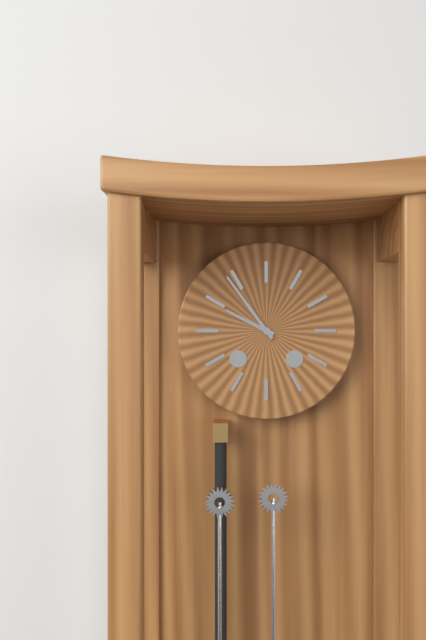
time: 9:54
